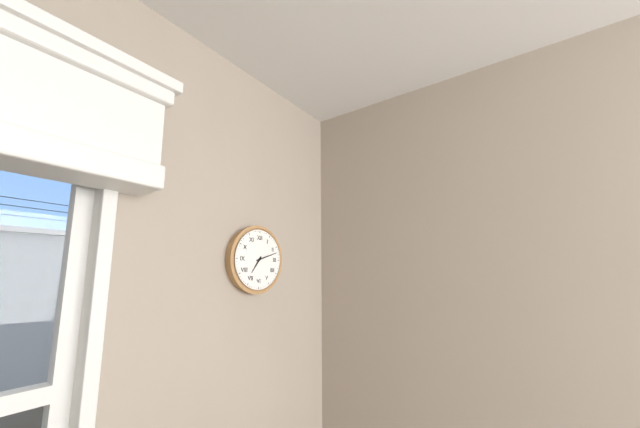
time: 7:12
